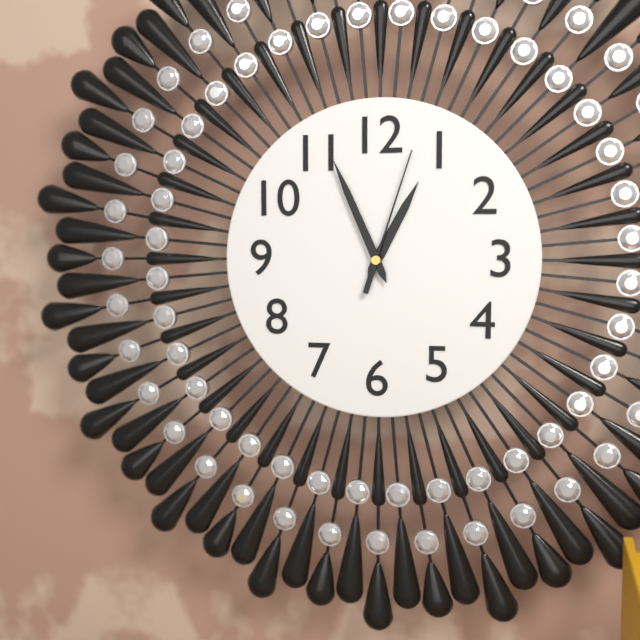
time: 12:56:03
